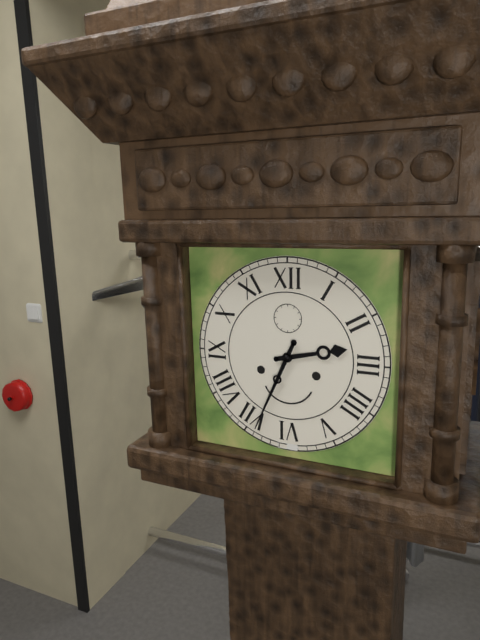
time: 2:34
